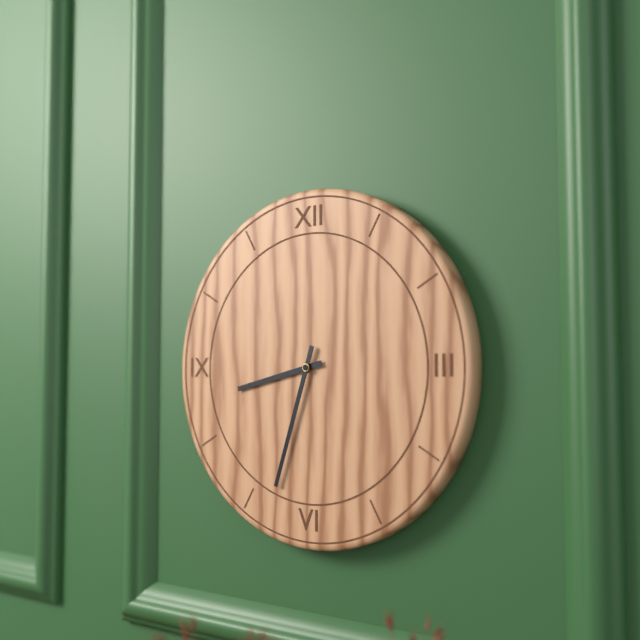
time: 8:33
